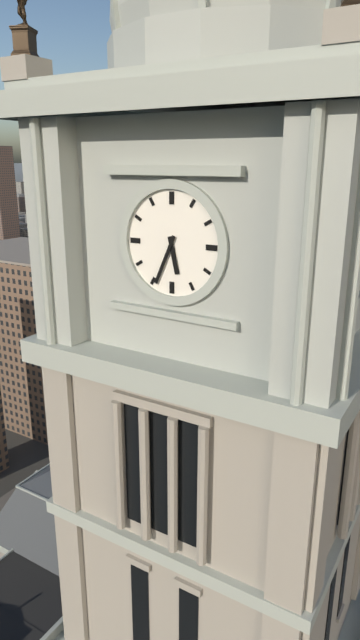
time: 5:34
